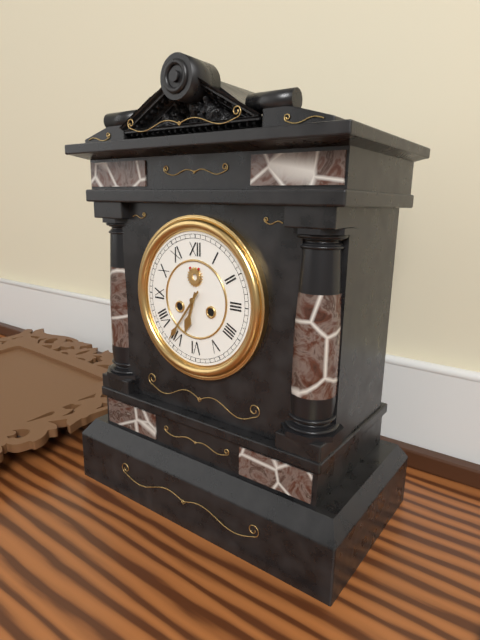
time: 6:36
